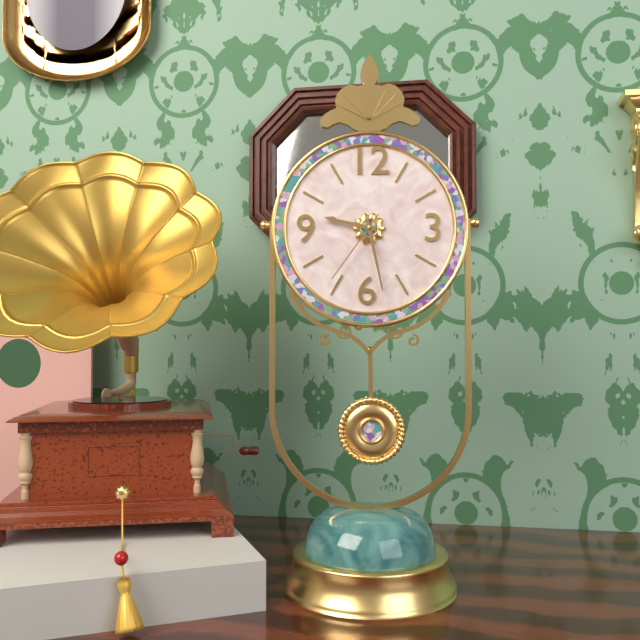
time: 9:28:36
